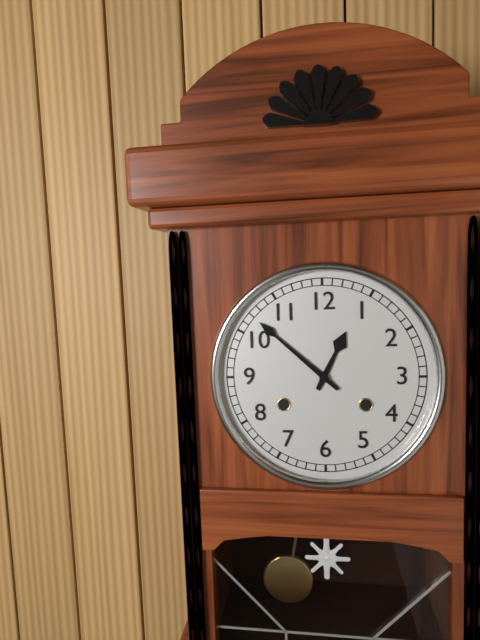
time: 12:52
